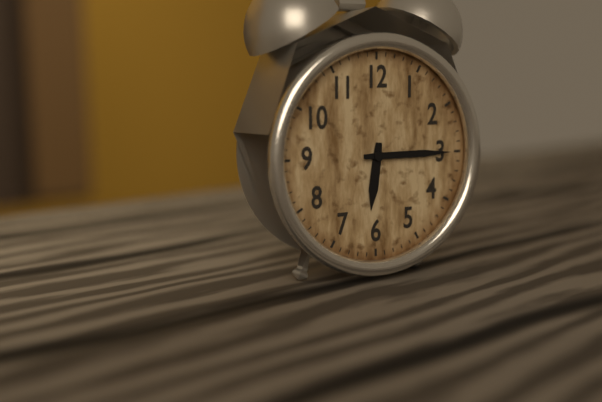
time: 6:15
